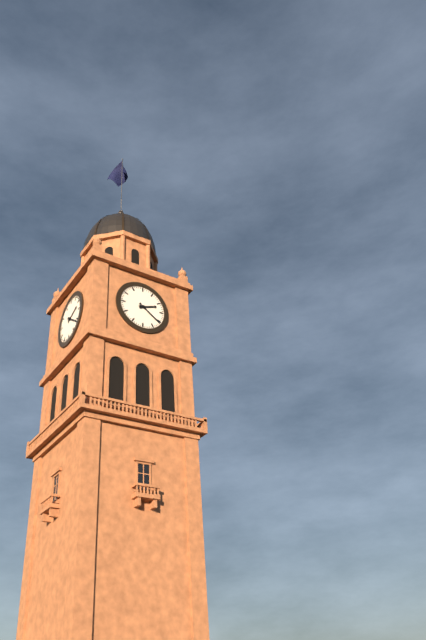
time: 2:21
